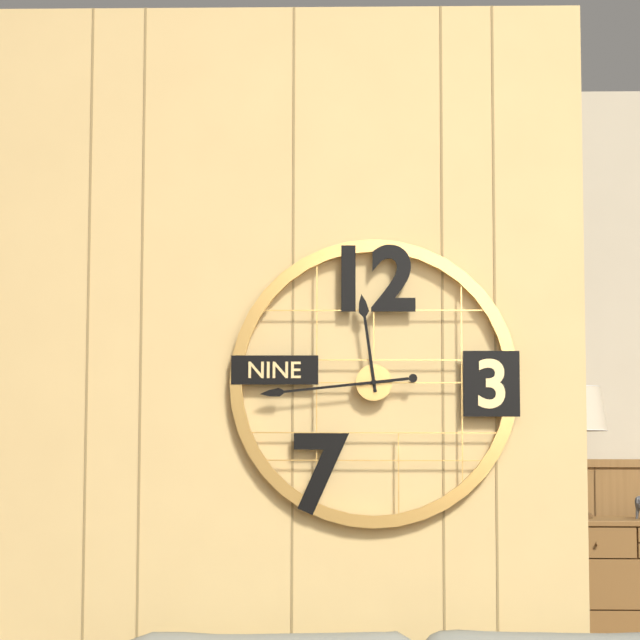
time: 11:44
